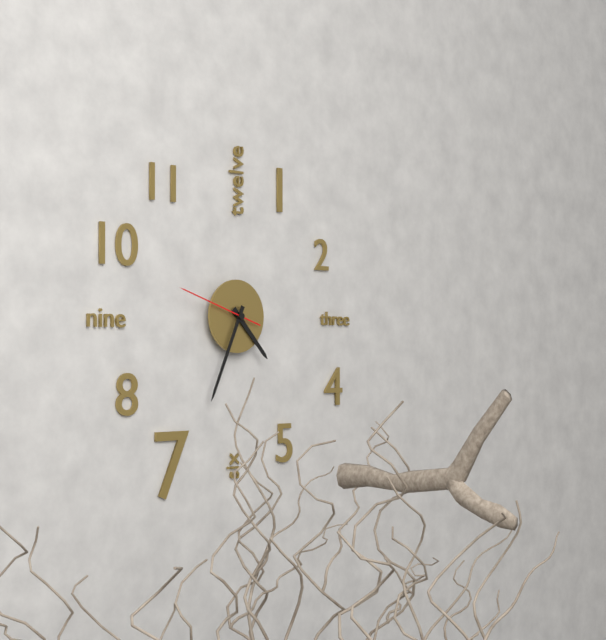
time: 4:34:48
